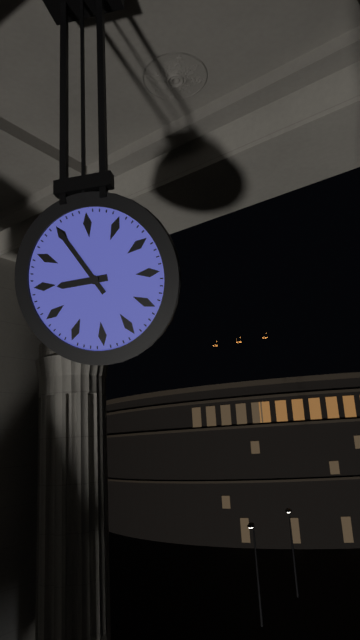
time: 8:55
